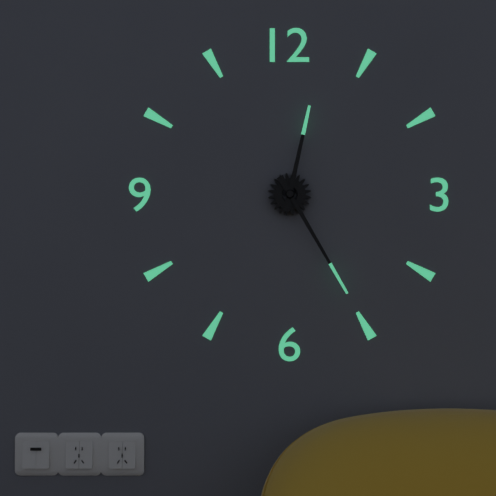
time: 12:25
